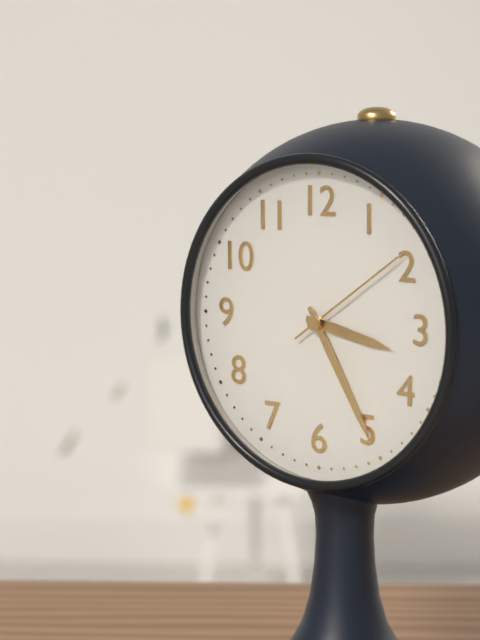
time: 3:25:09
